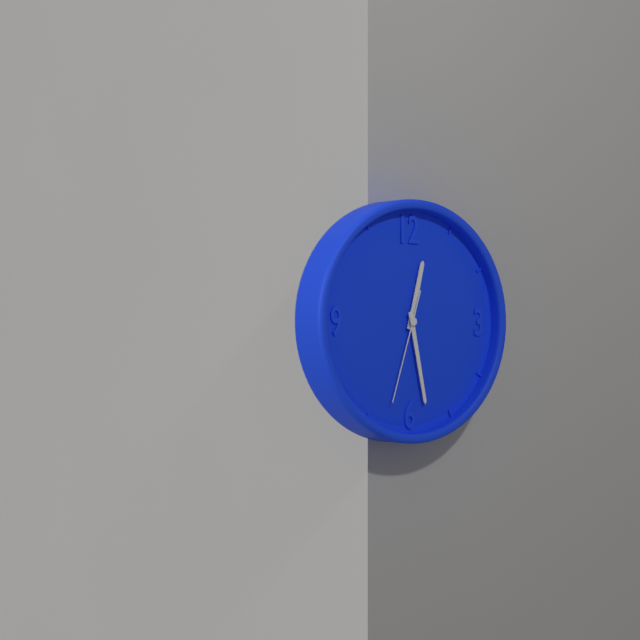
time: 12:28:33
